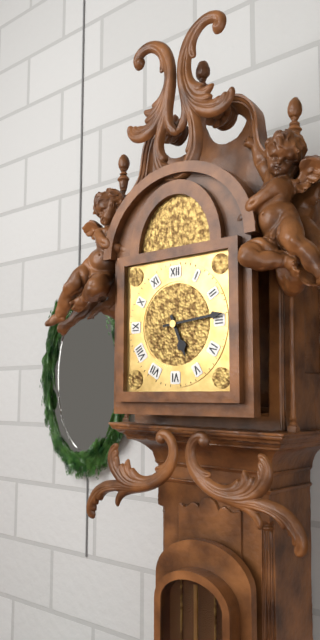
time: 5:14
